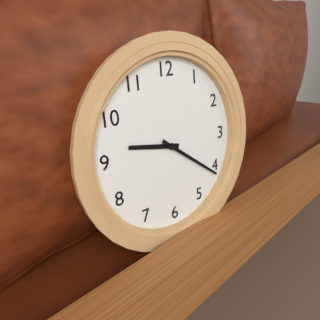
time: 9:21
